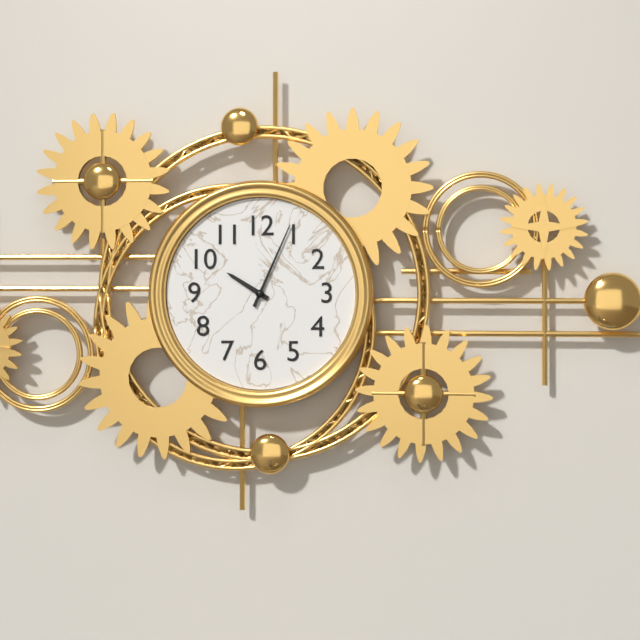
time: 10:04
